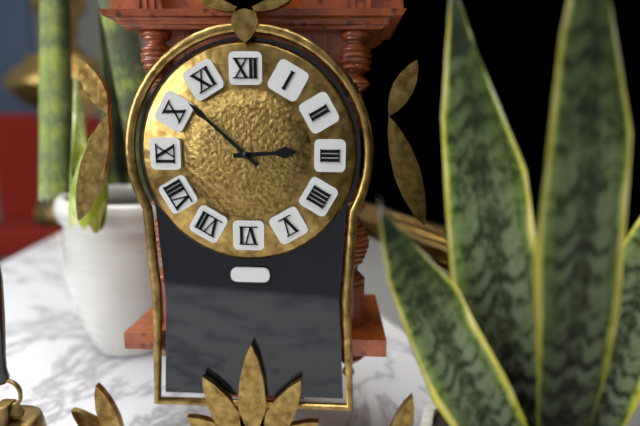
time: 2:52
